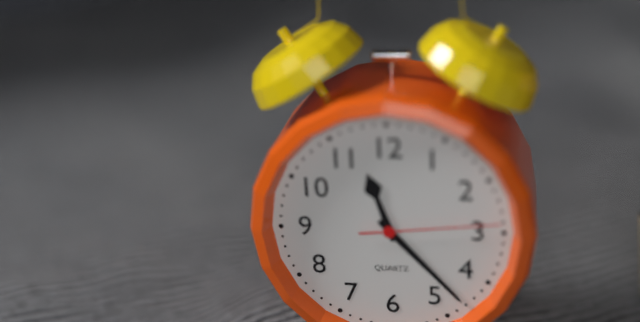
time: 11:23:14
